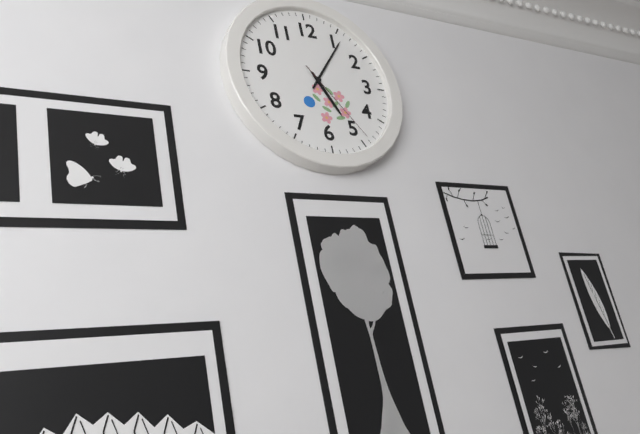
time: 5:06:24
